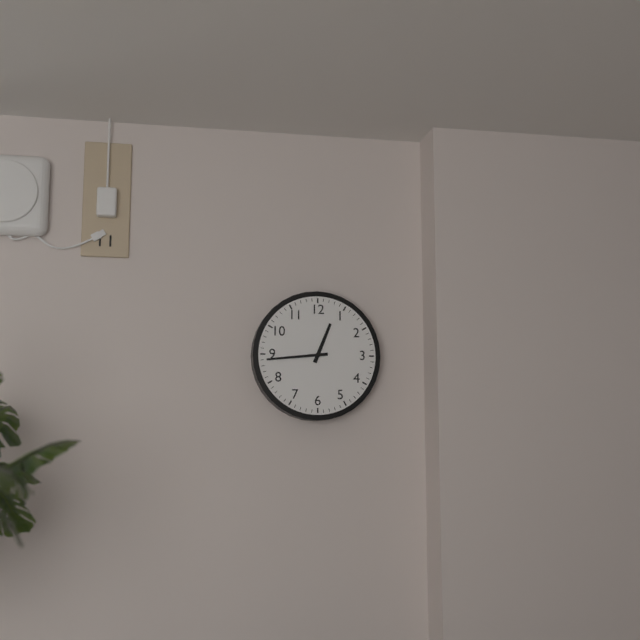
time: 12:44
